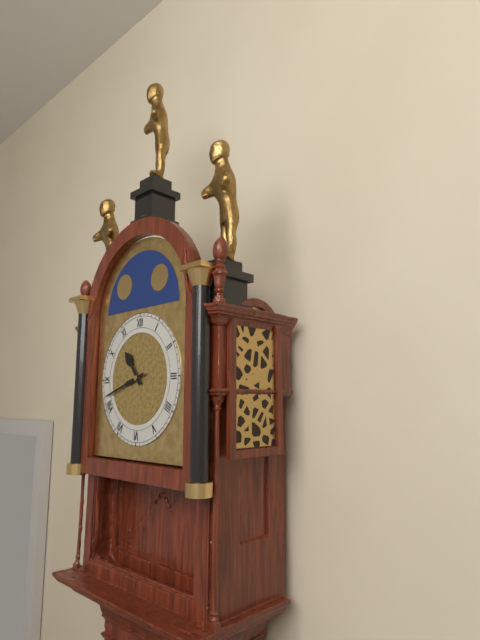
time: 10:42
